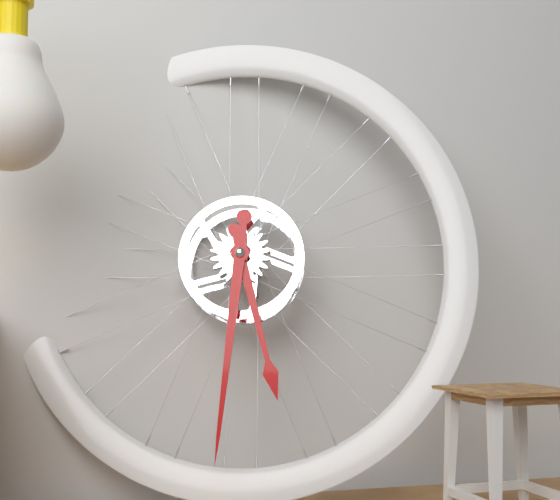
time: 5:31
